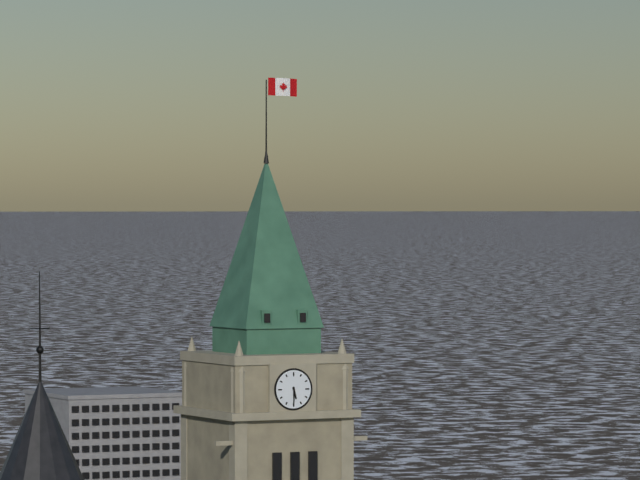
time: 5:30
